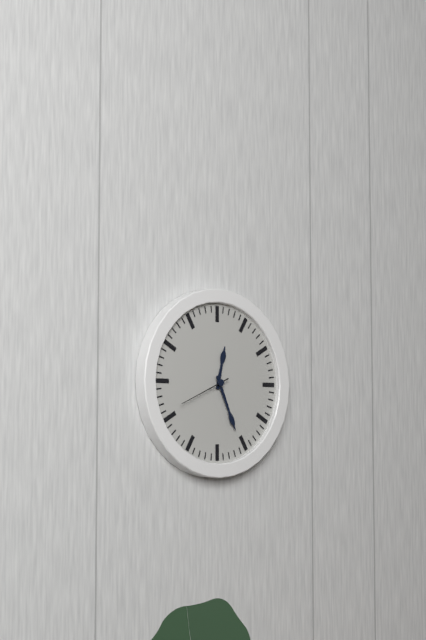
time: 12:26:41
